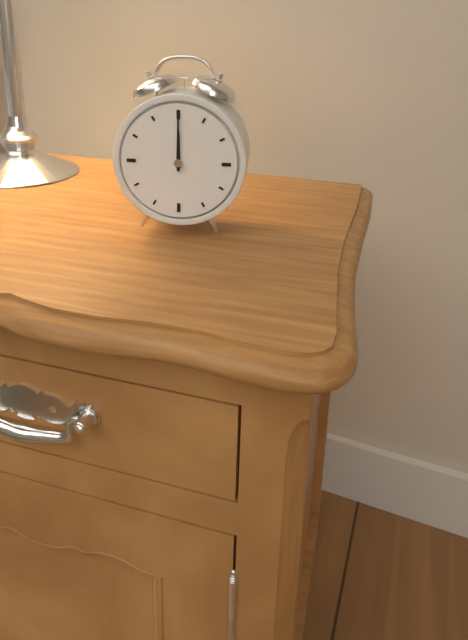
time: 12:00
